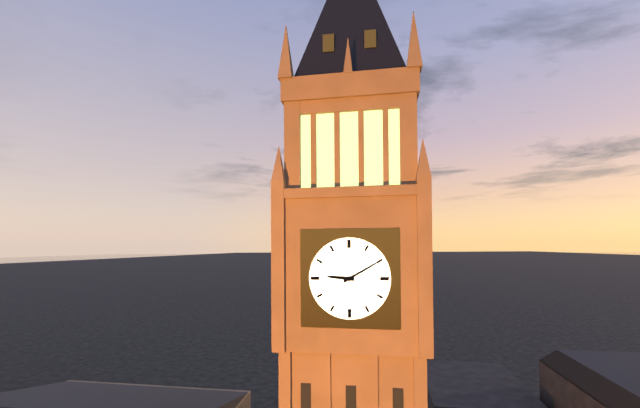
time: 9:10
